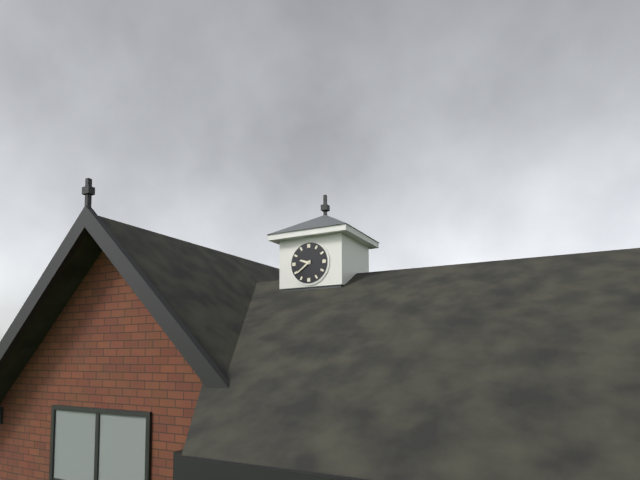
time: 9:39
